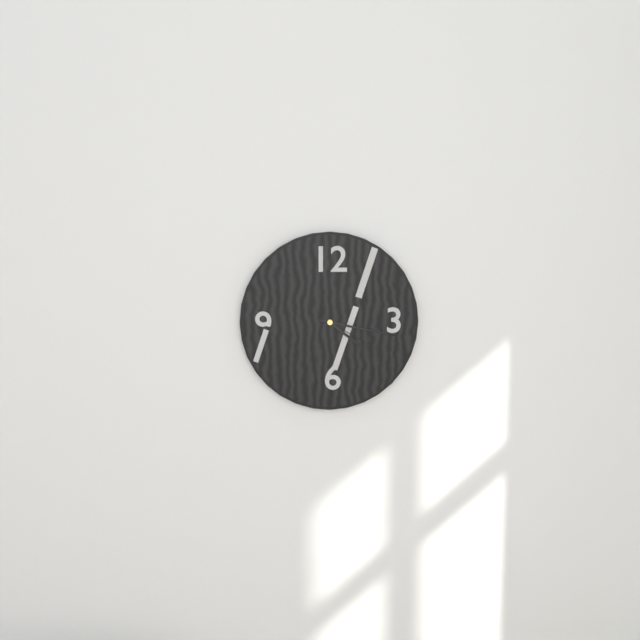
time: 4:17:20
